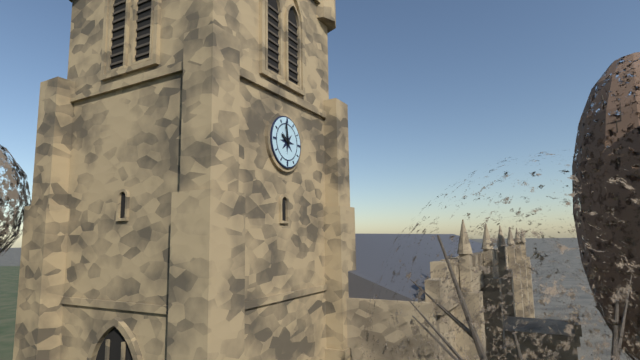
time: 9:58
